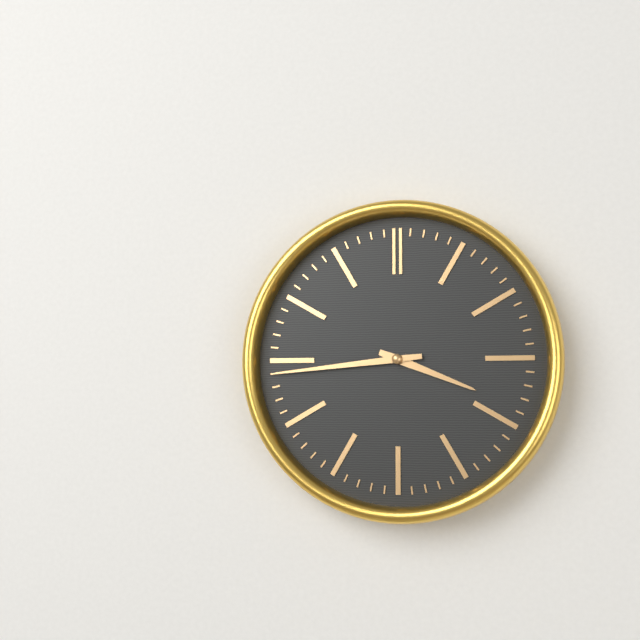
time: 3:44
